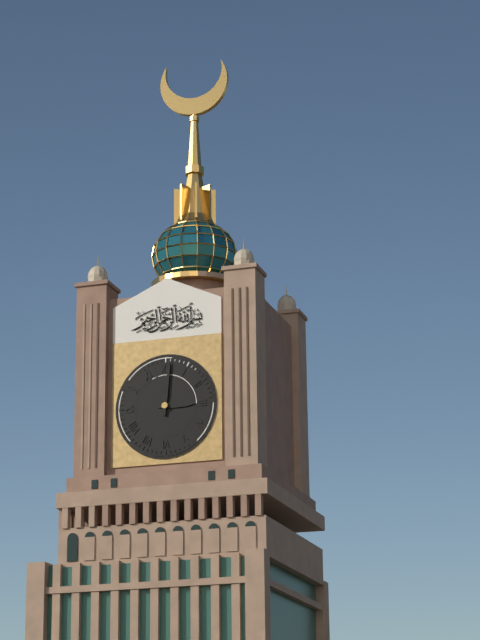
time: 3:01
